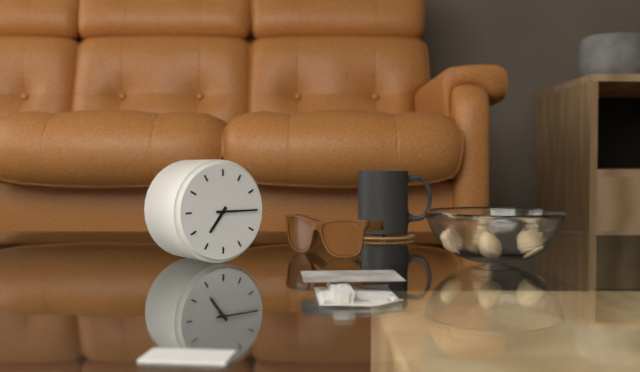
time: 7:15
